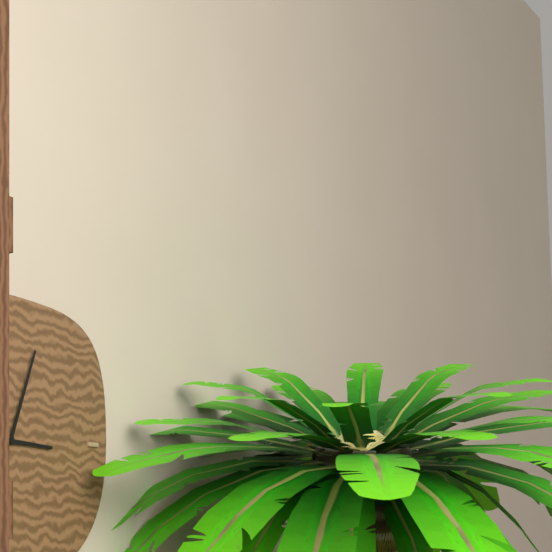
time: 3:04
